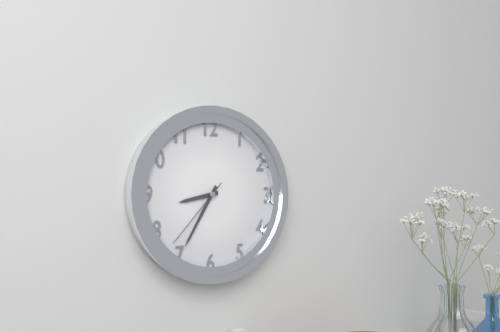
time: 8:35:37
